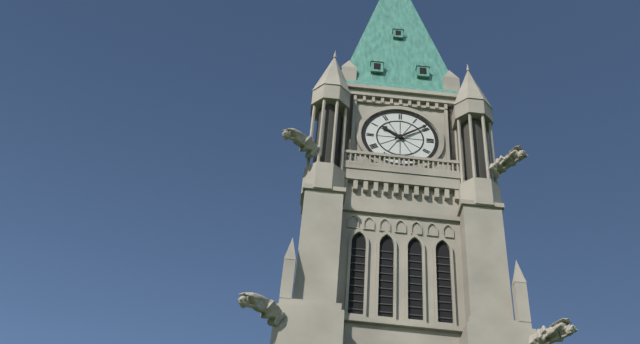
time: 10:09
